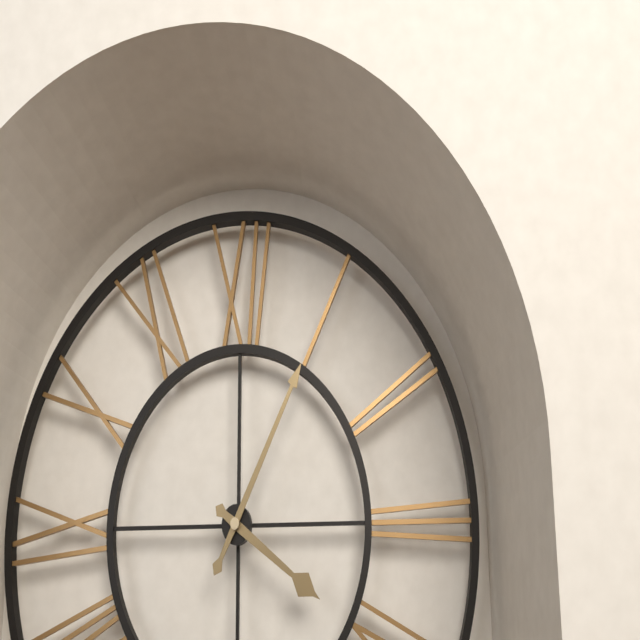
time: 4:05
